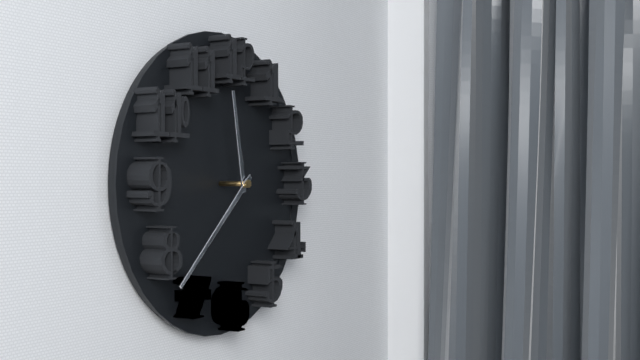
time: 11:38
